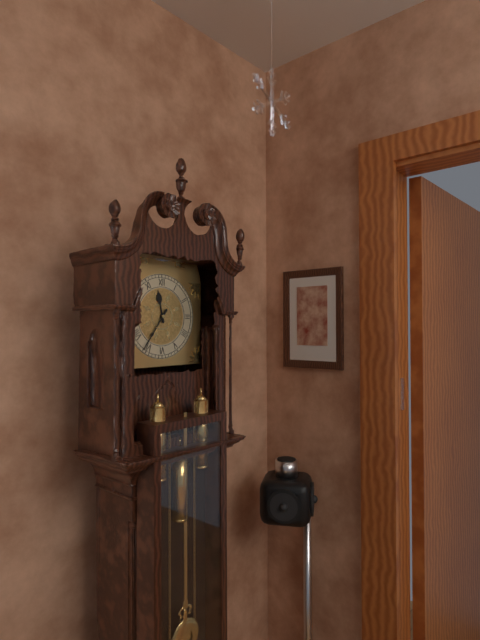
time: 11:36
